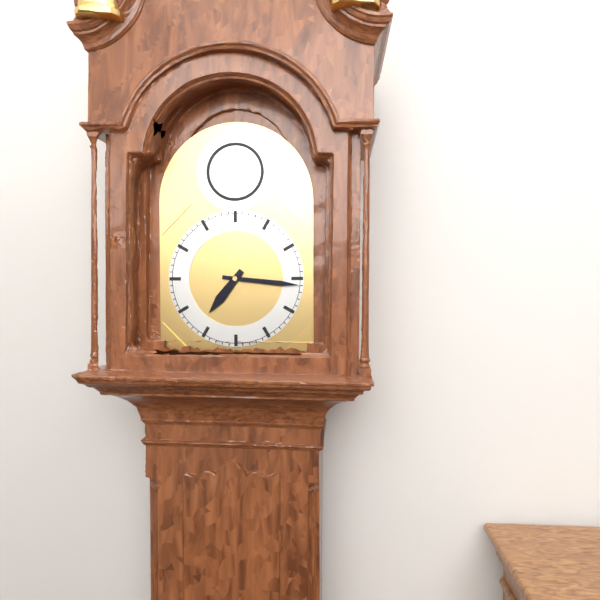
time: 7:16
